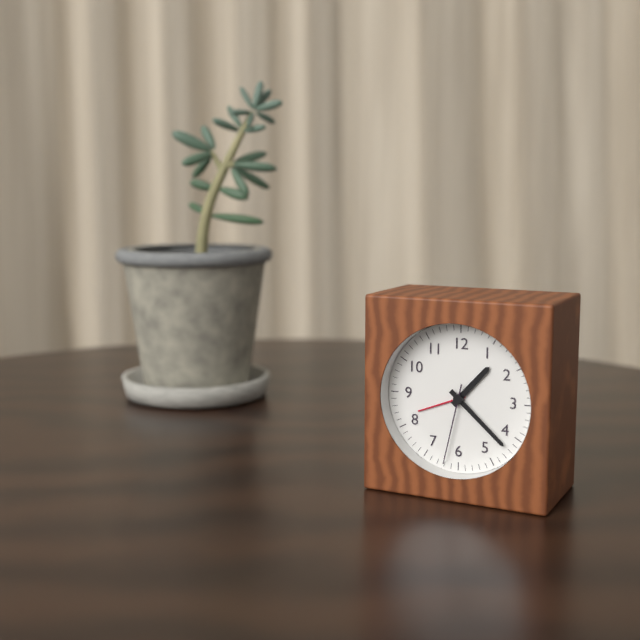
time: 1:22:32
